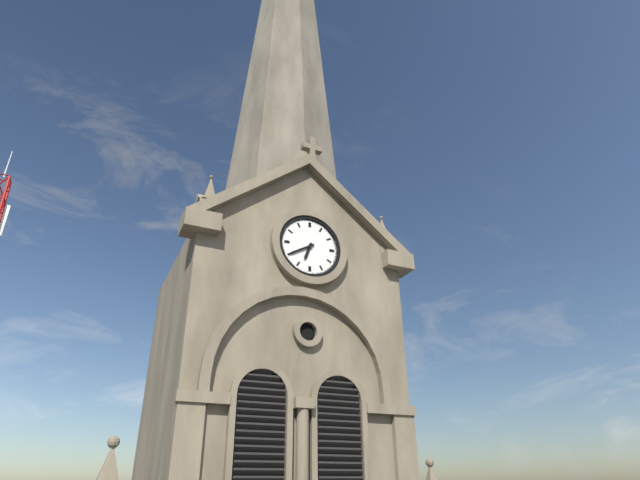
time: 6:40
